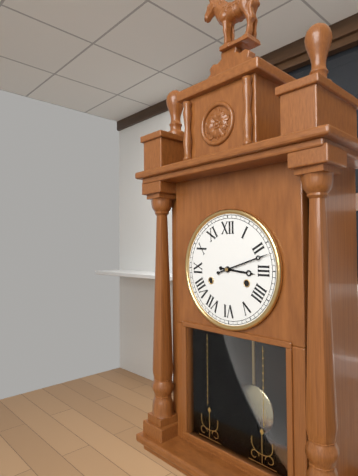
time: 3:12
